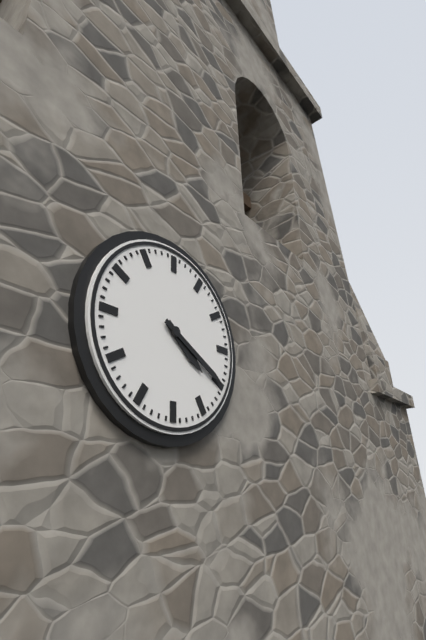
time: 4:20
